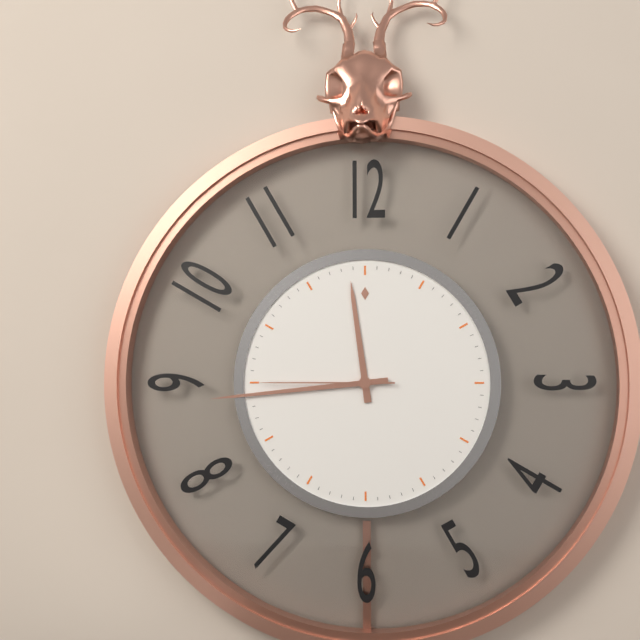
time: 11:44:45
